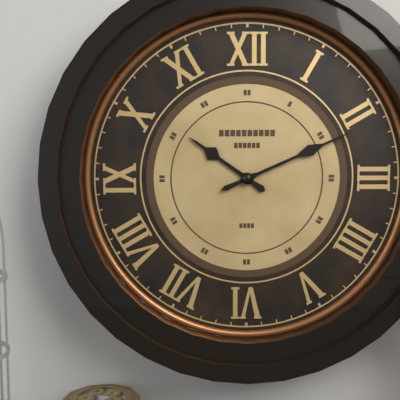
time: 10:11
